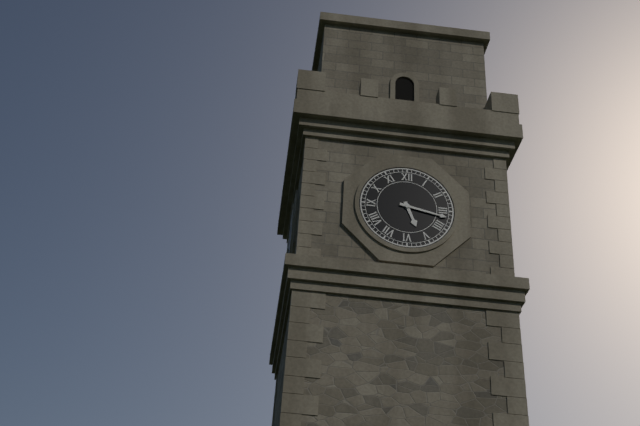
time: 5:17
